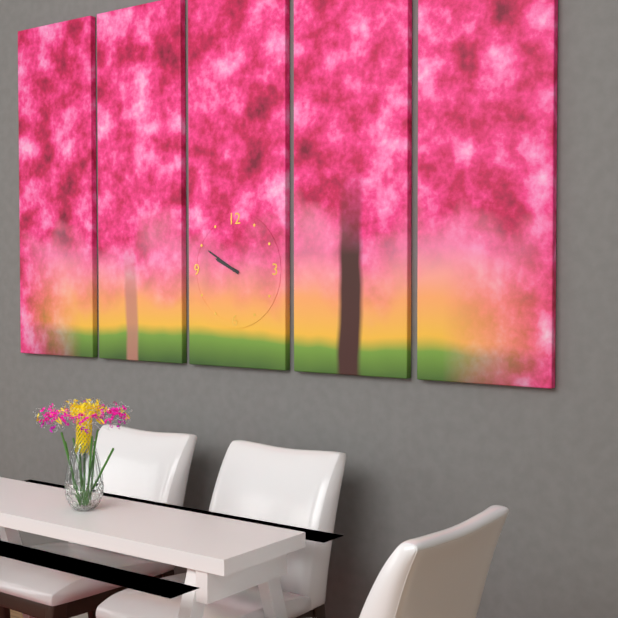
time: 9:50
